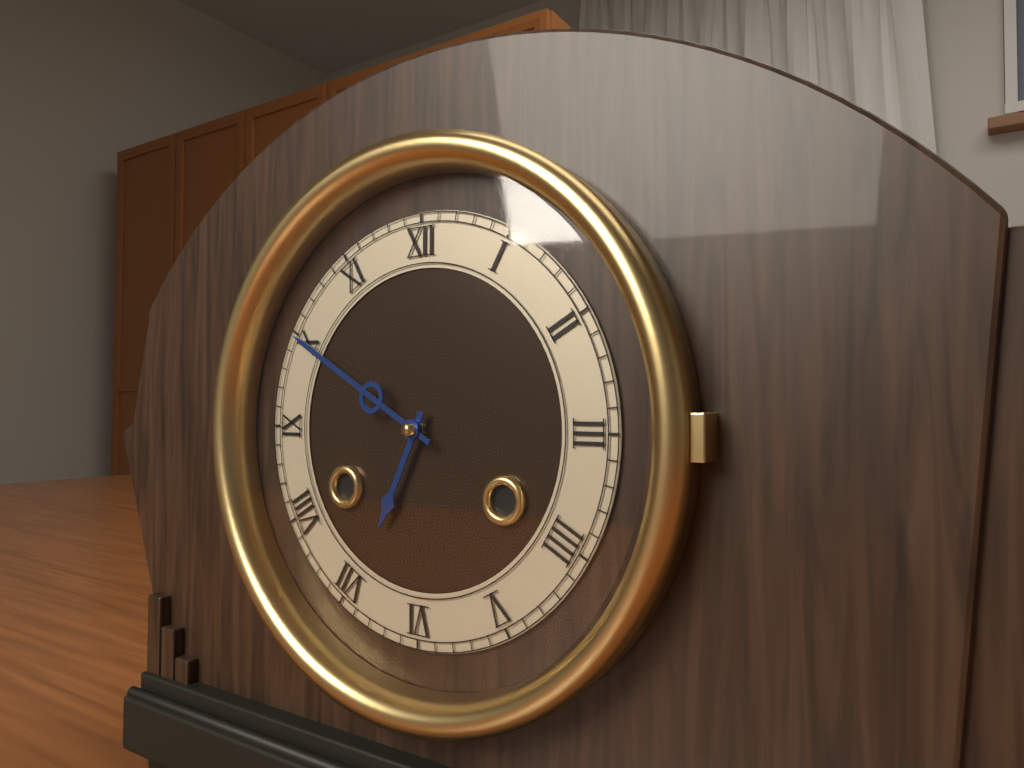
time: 6:50
